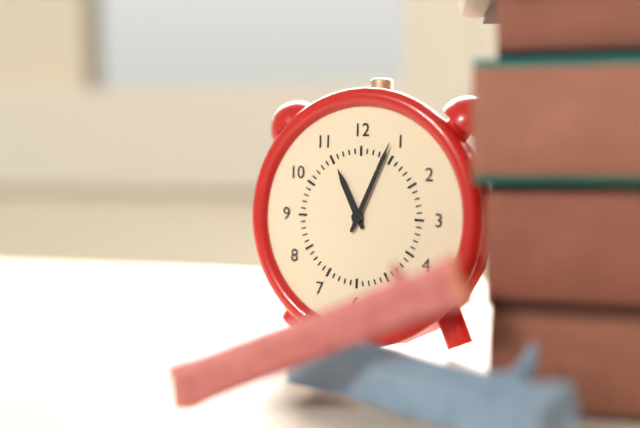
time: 11:04
